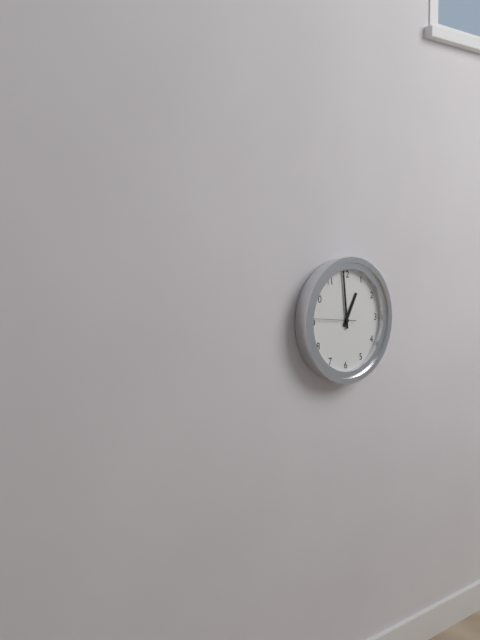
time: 12:59
